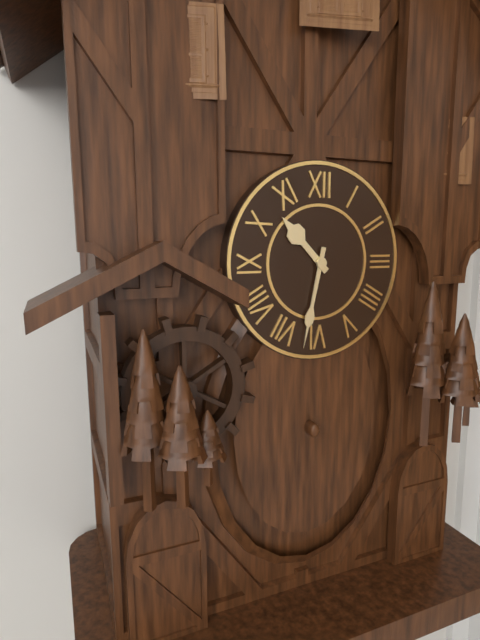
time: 10:32
